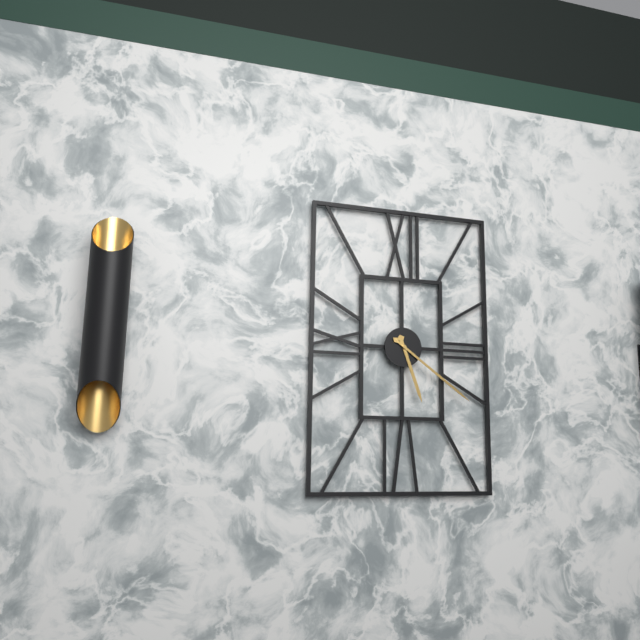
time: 5:21
